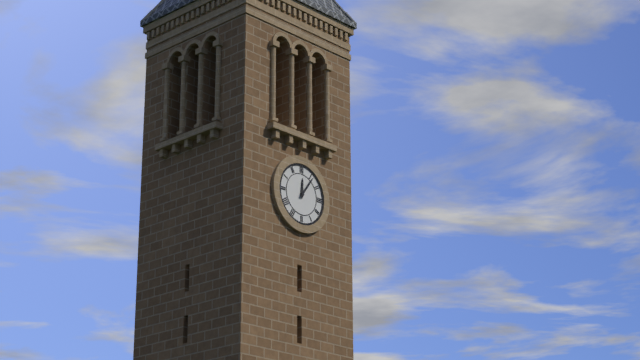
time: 12:06
